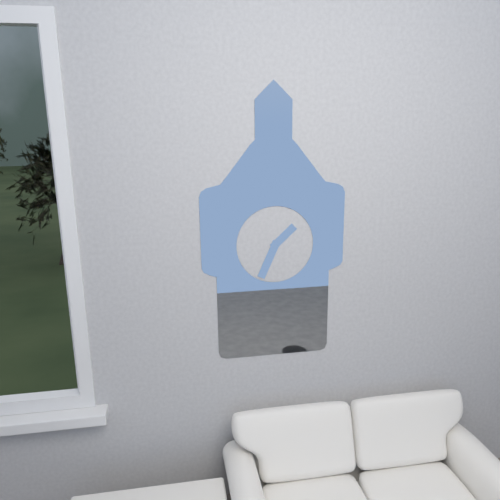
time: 1:34
